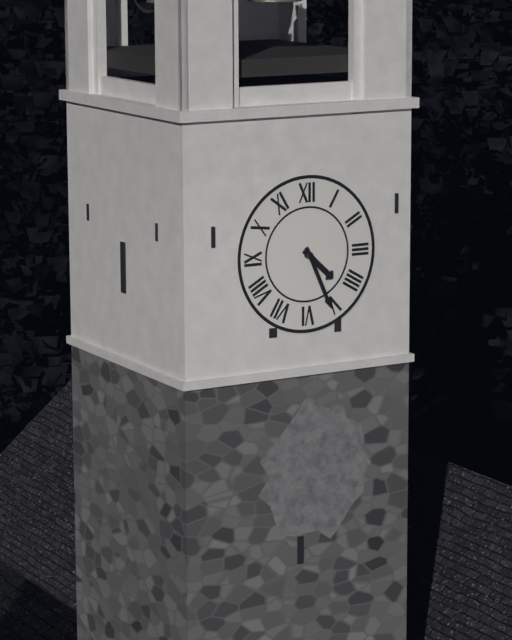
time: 4:26
